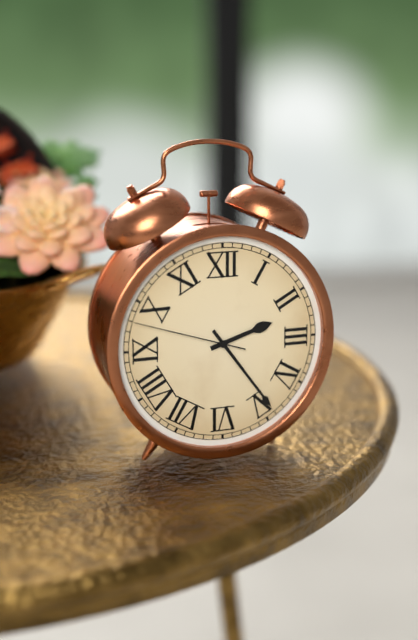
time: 2:24:48
